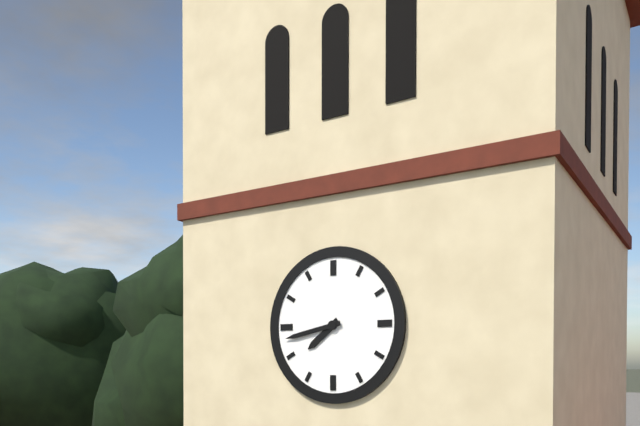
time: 7:43
